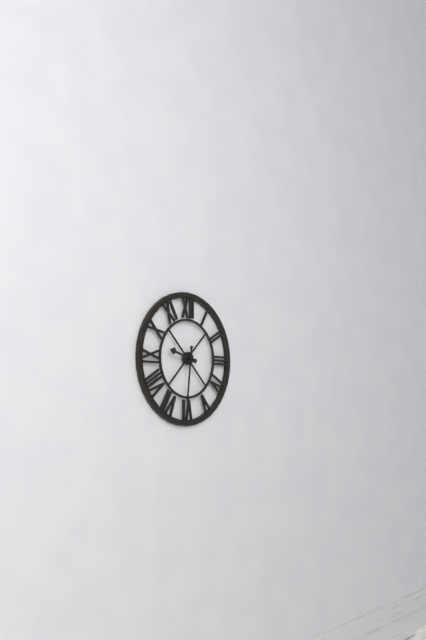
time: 9:31
